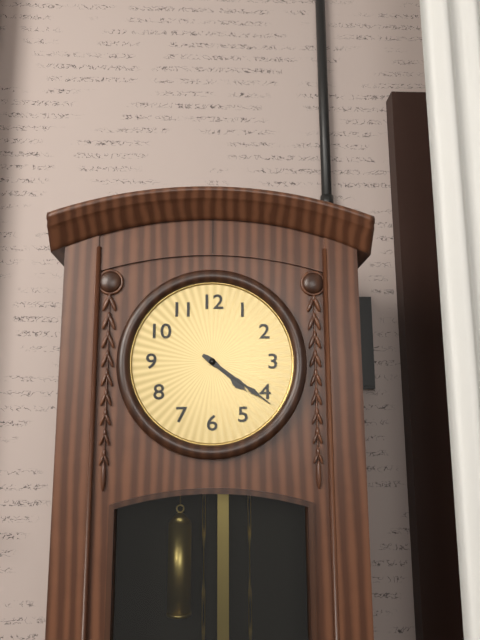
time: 4:21
